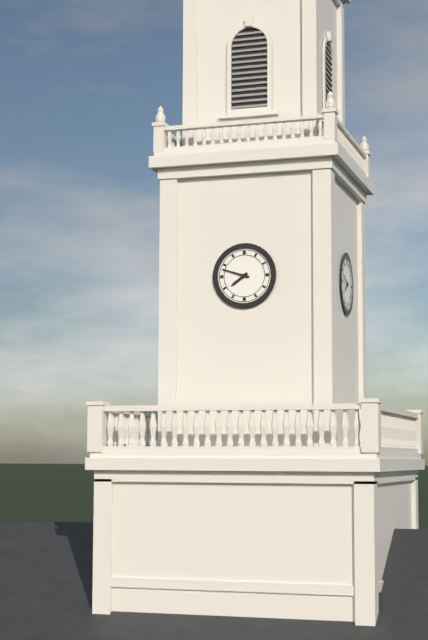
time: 7:48
